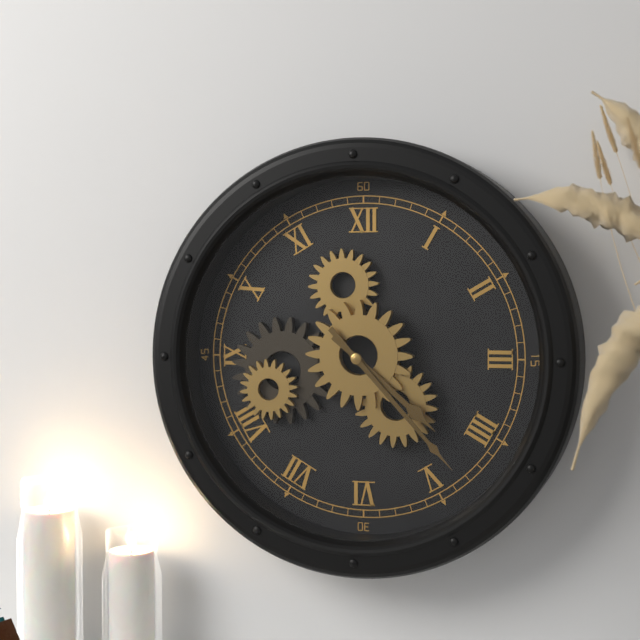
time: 4:23
